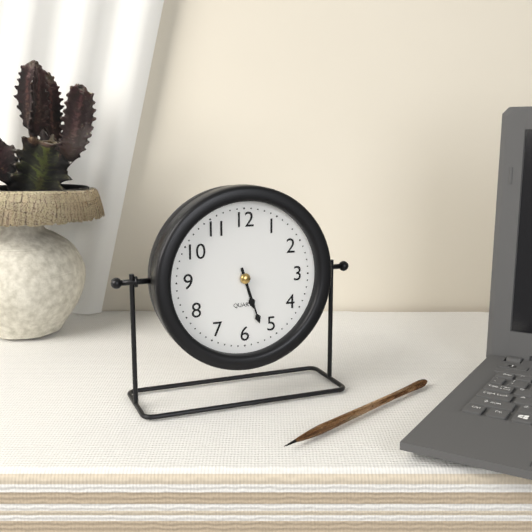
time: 5:27
